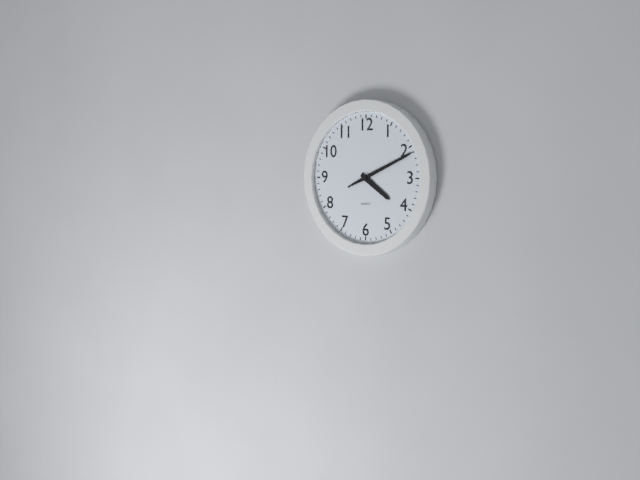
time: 4:11
